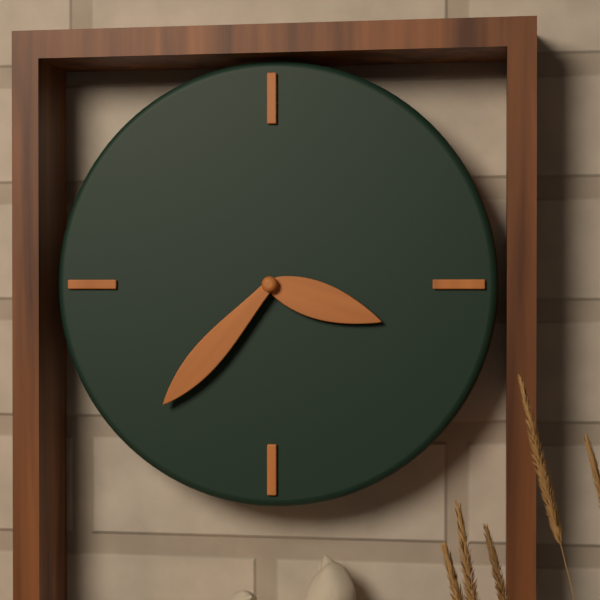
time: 3:37
